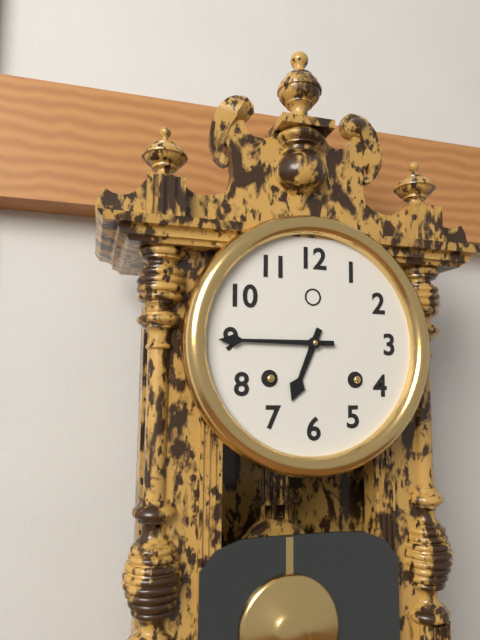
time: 6:45
